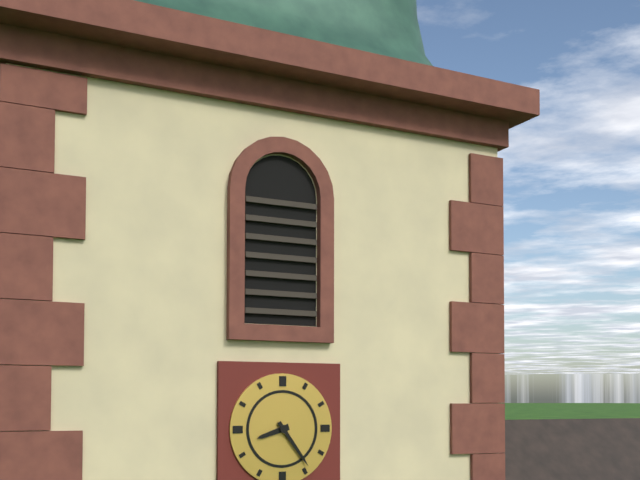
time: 8:24
